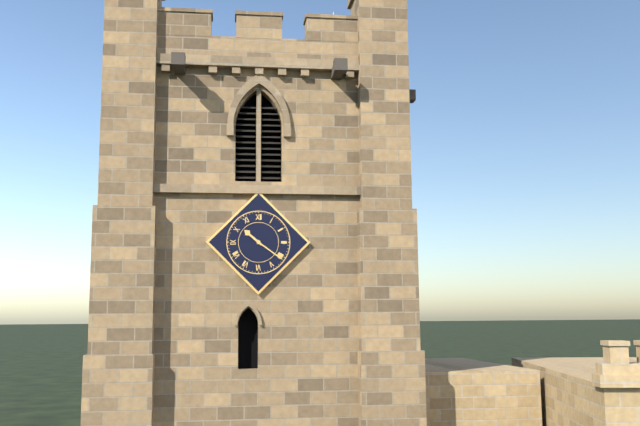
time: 10:21
